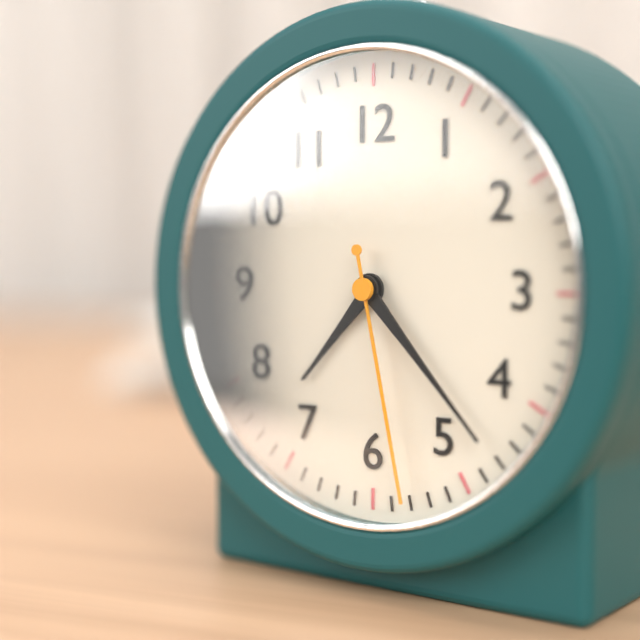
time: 7:23:28
